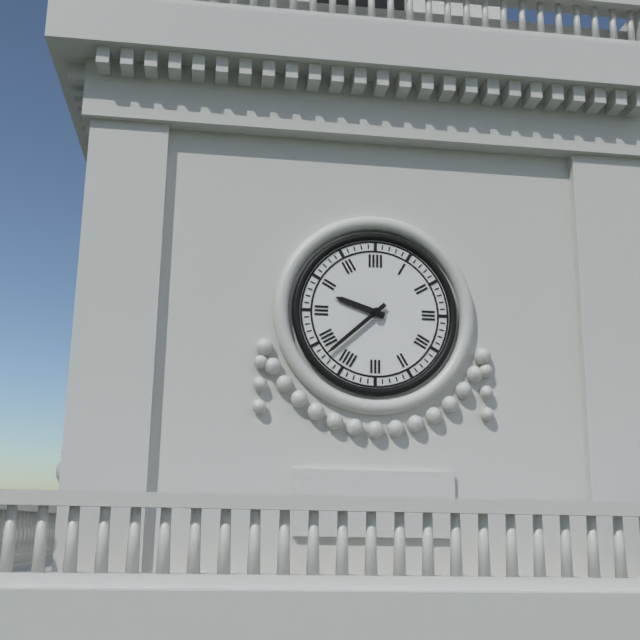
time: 9:38
